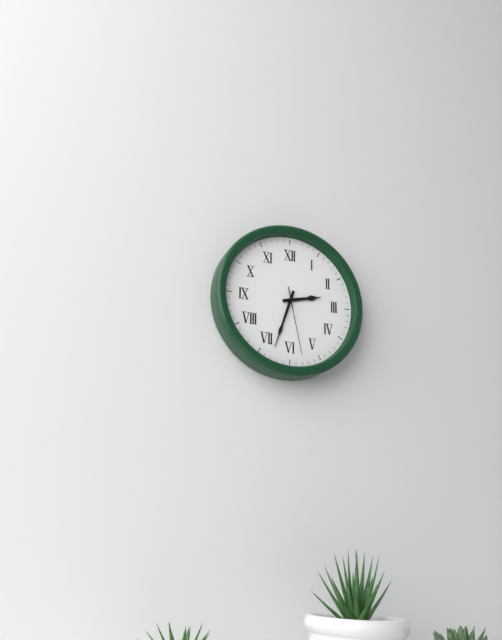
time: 2:33:28
